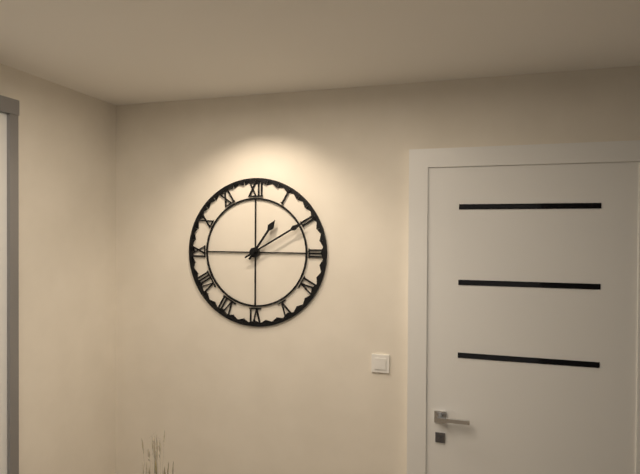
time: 1:10
